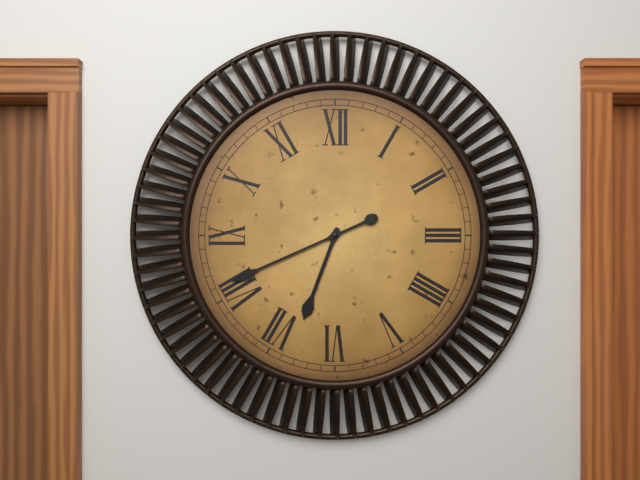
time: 6:41
